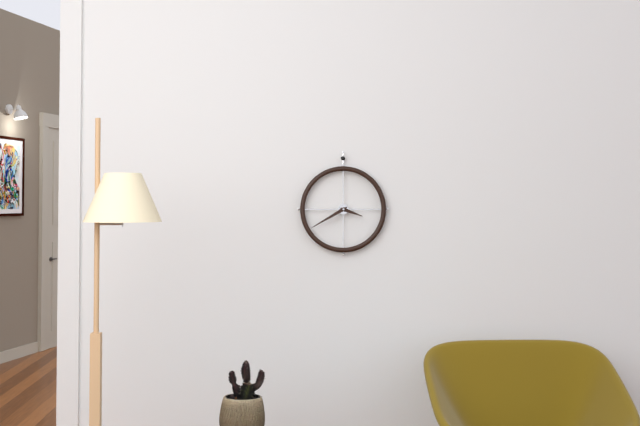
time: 3:40
